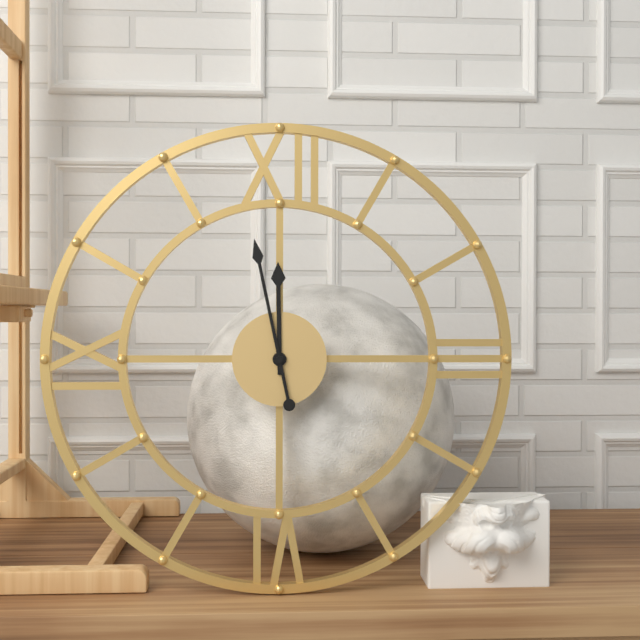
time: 11:58
